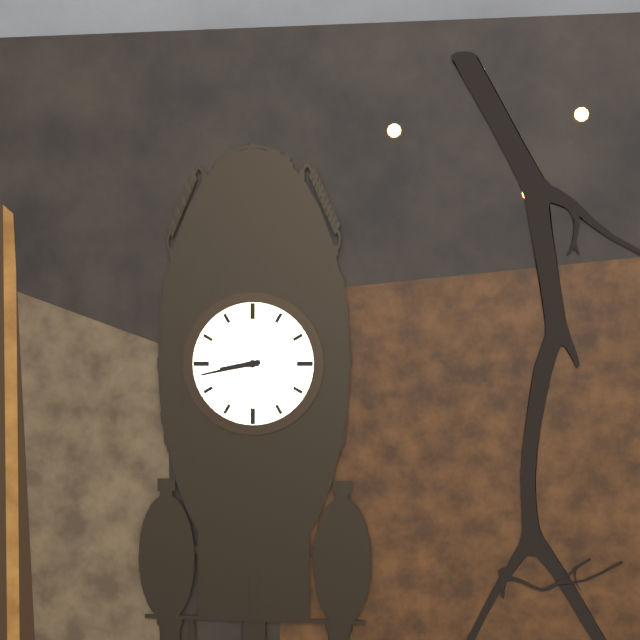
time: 8:43
